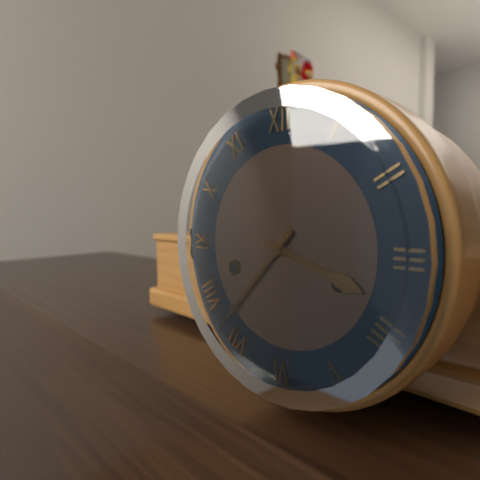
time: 3:37
